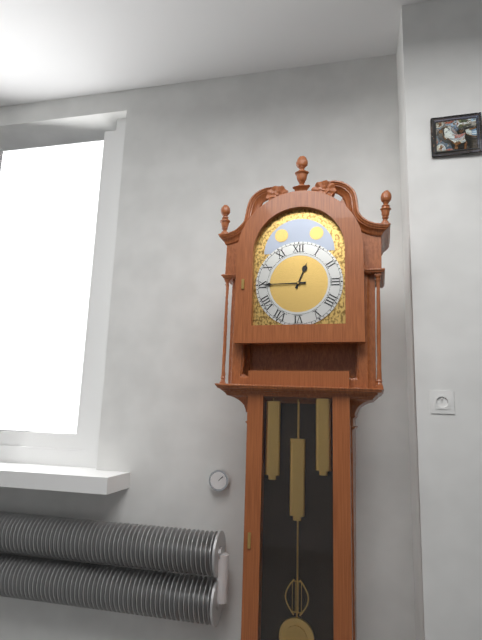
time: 12:45
